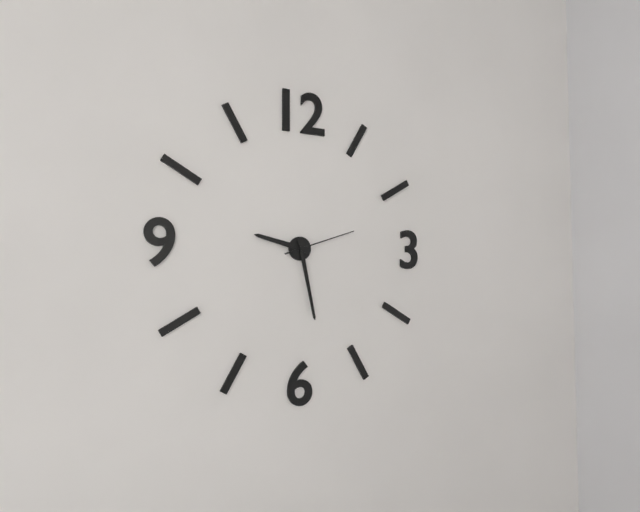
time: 9:28:12
